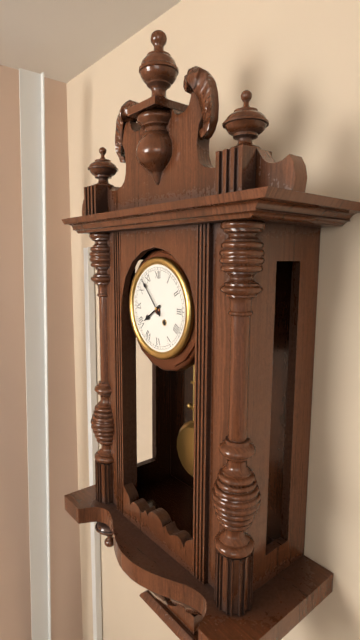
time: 7:53
